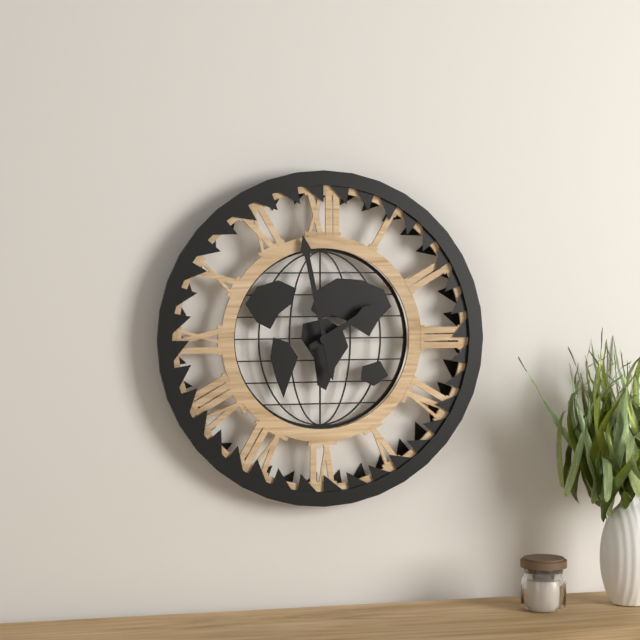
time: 1:58
